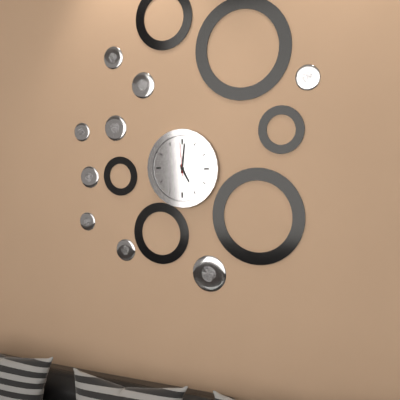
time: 5:01
